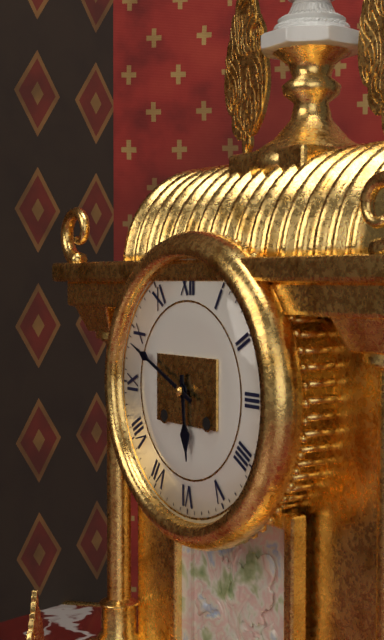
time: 5:49
